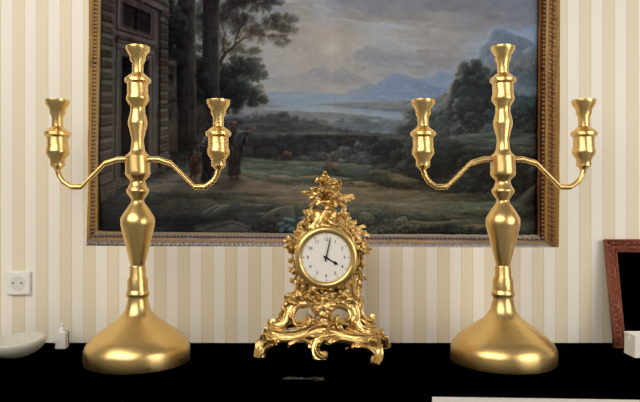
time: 4:02
